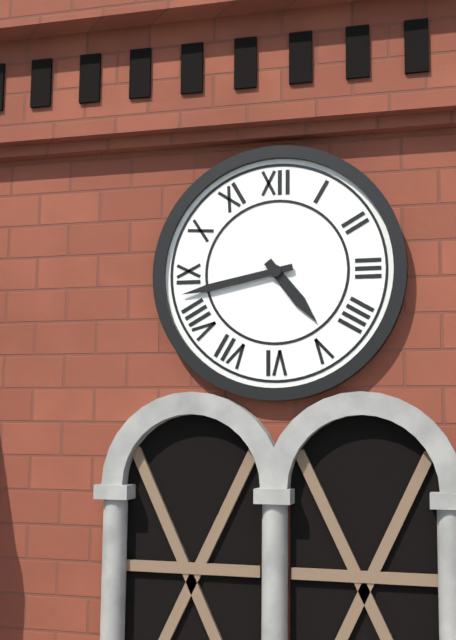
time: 4:43
